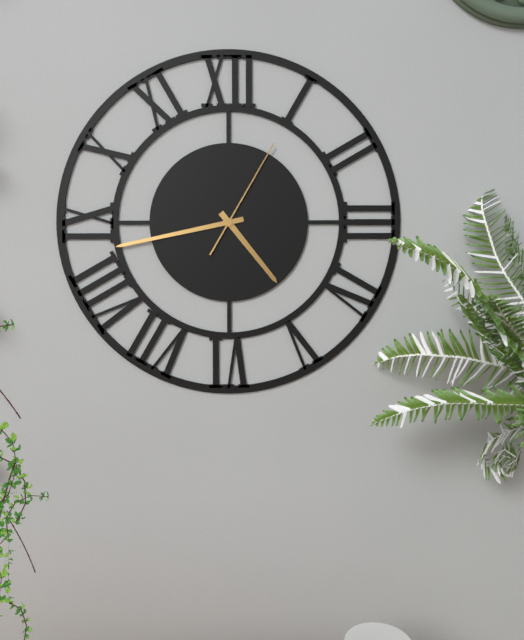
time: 4:43:05
